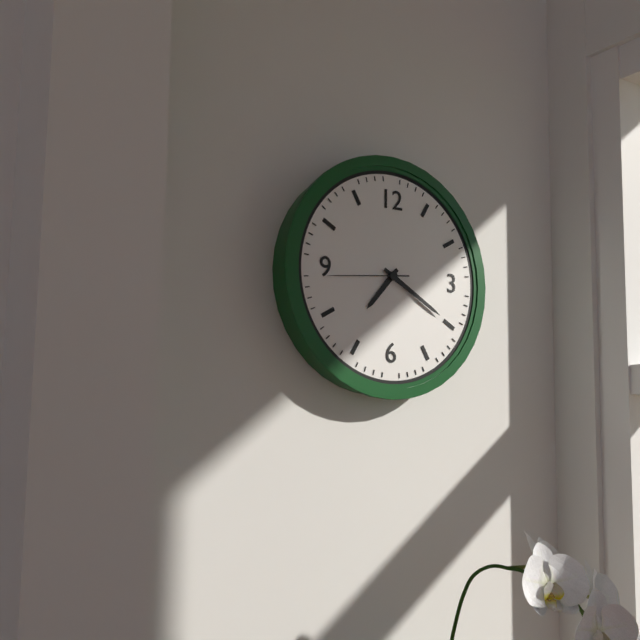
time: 7:20:44
